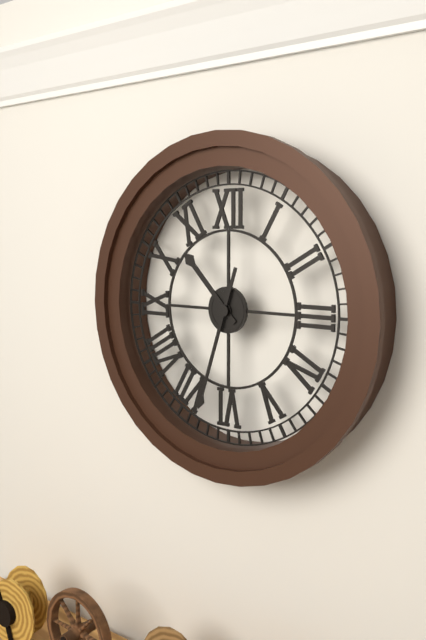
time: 10:33
